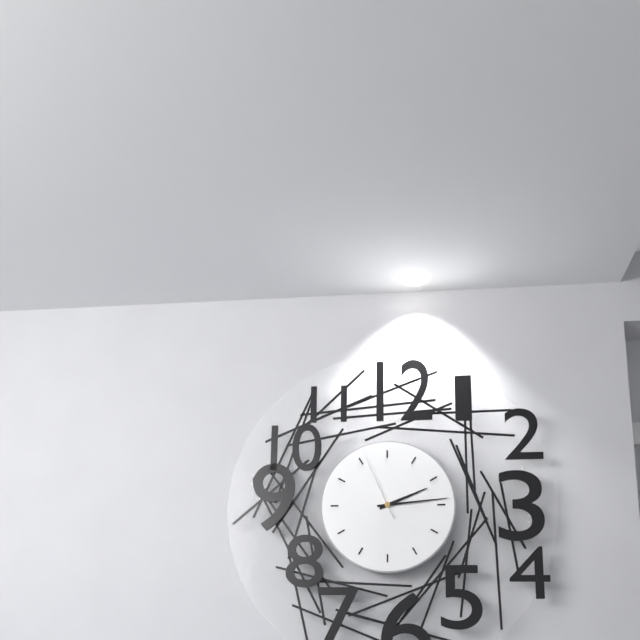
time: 2:14:56
